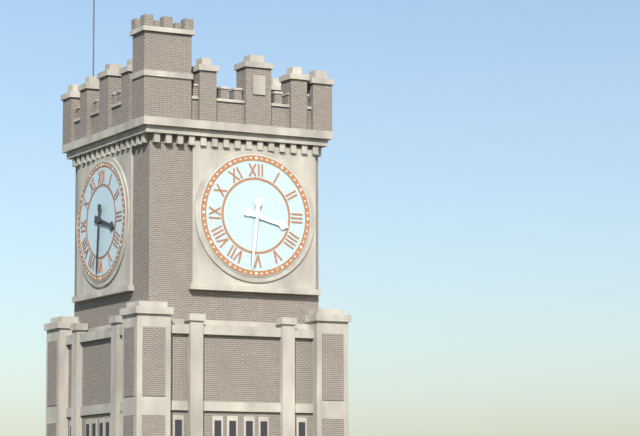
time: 3:31
